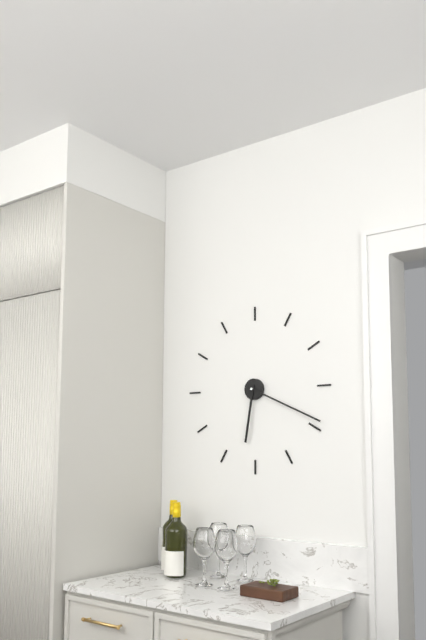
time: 6:19
